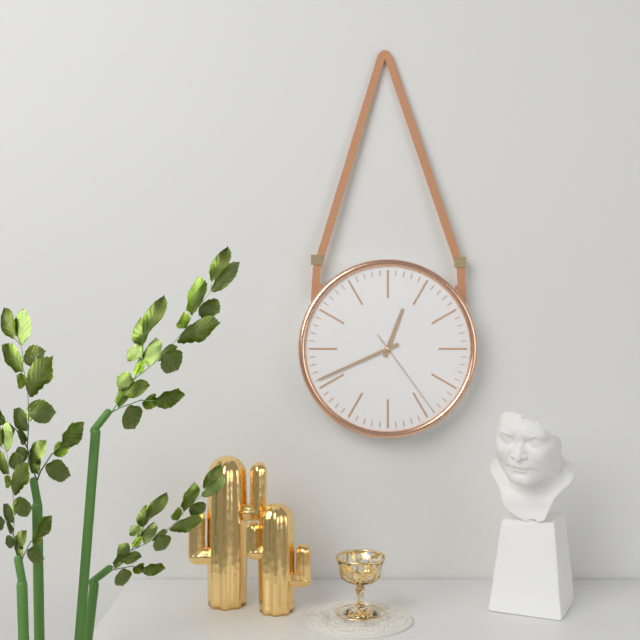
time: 12:41:24
